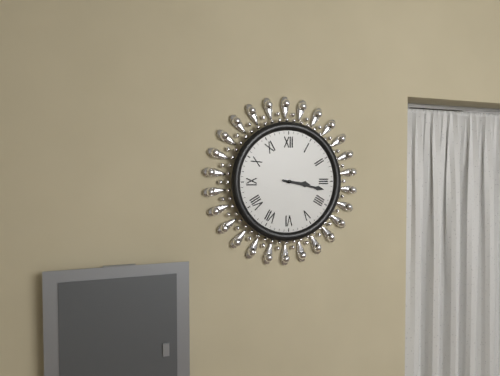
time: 3:17
